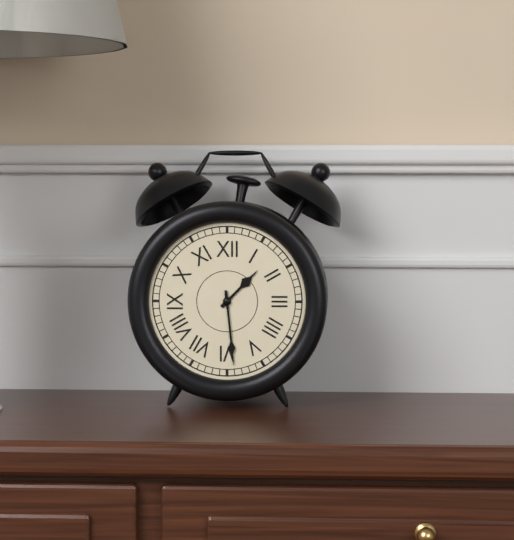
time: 1:29
